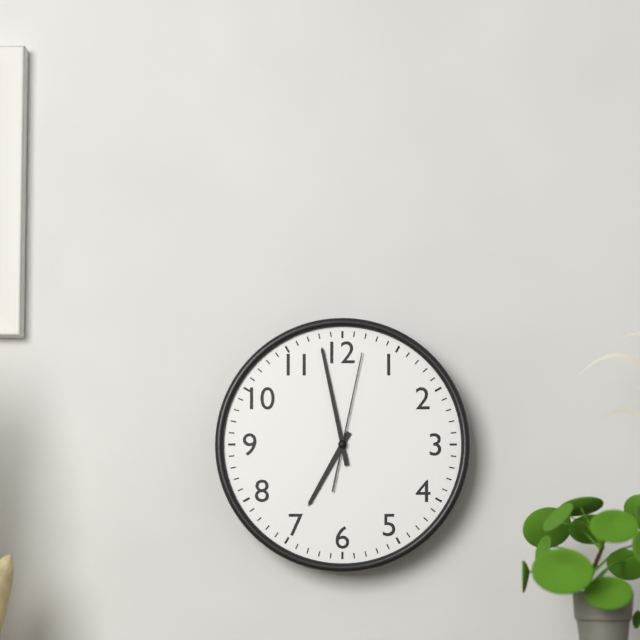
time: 6:58:02
